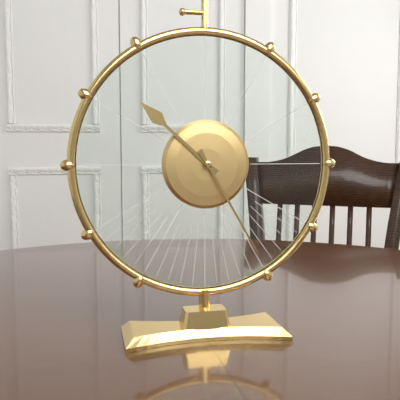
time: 10:25
